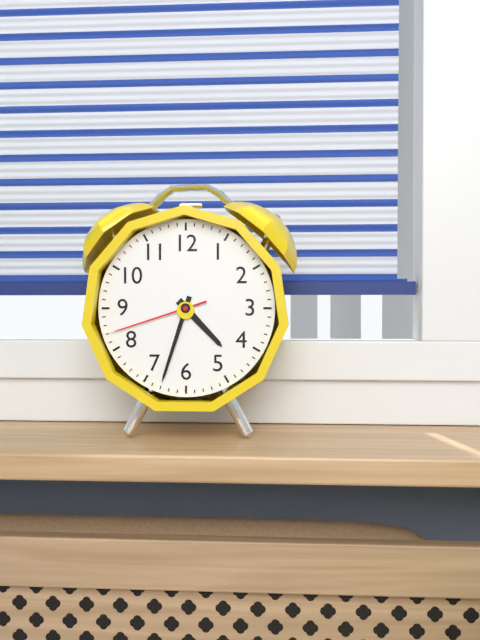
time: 4:33:42
